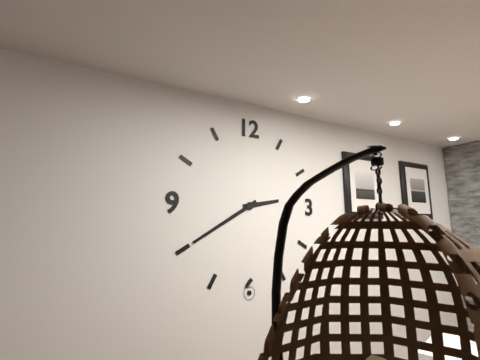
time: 2:40
